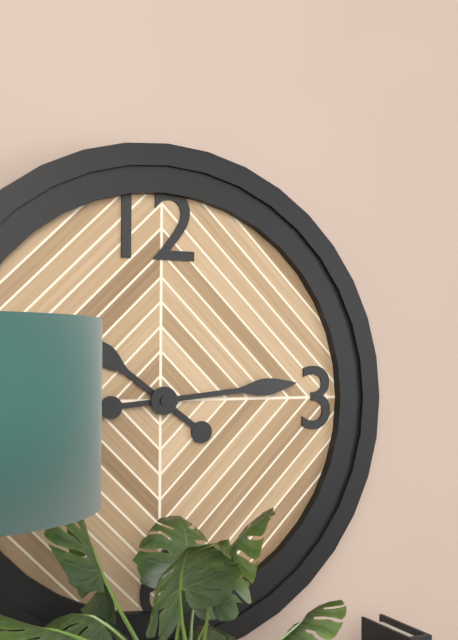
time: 10:14
